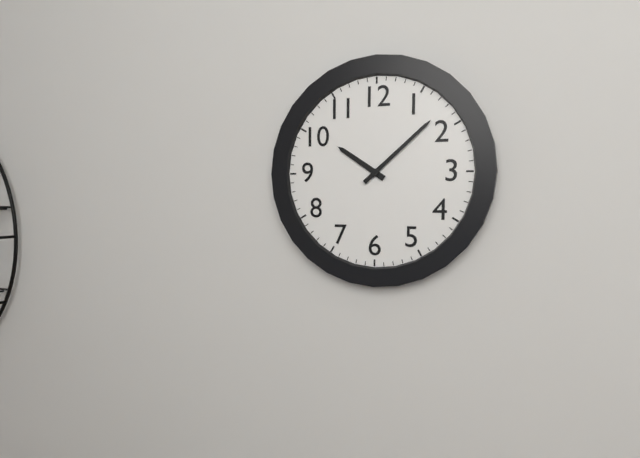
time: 10:08
